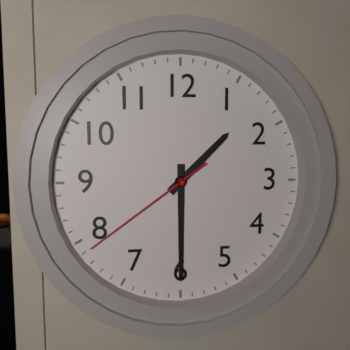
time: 1:30:39
